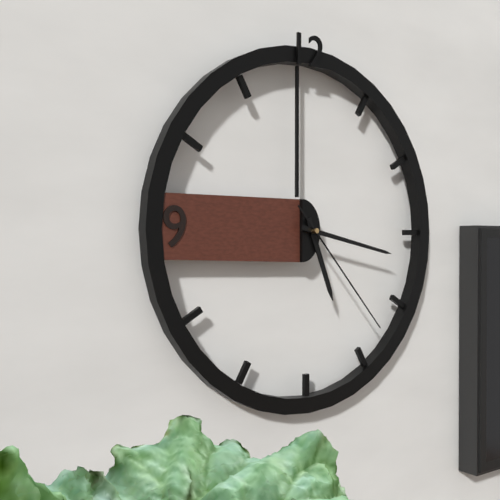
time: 5:17:23
